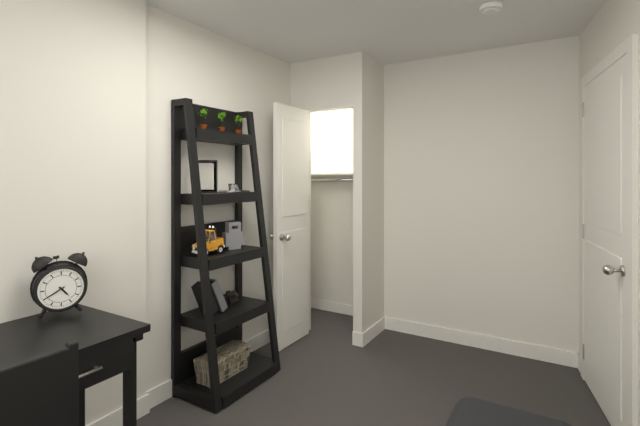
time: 4:40
